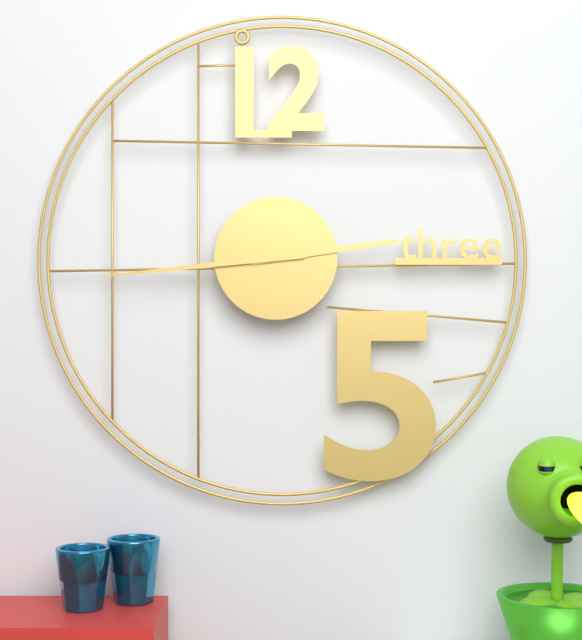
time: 2:44
